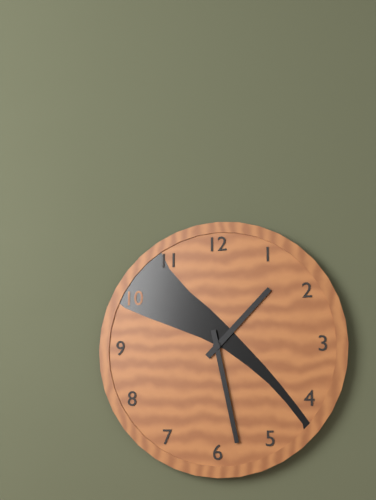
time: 1:28
